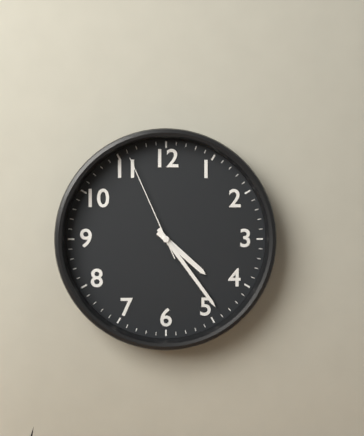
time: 4:24:56
